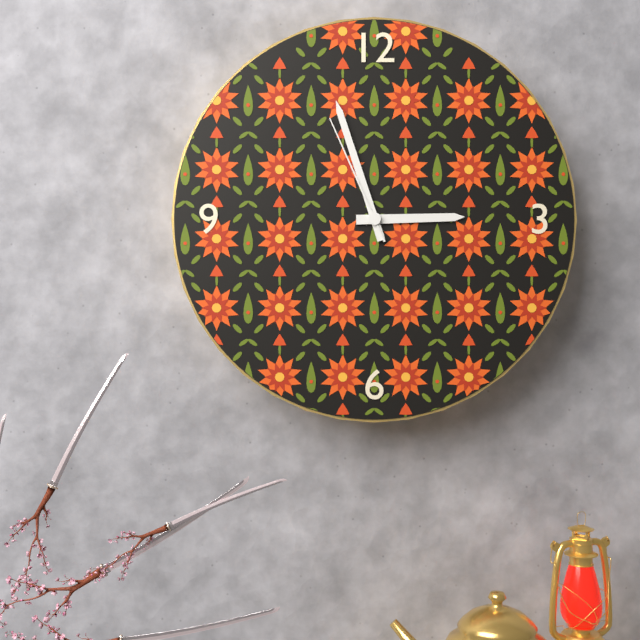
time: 2:57:56
